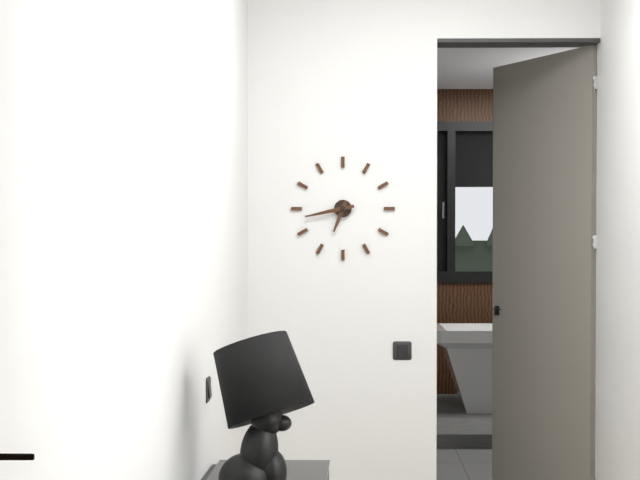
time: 6:43
